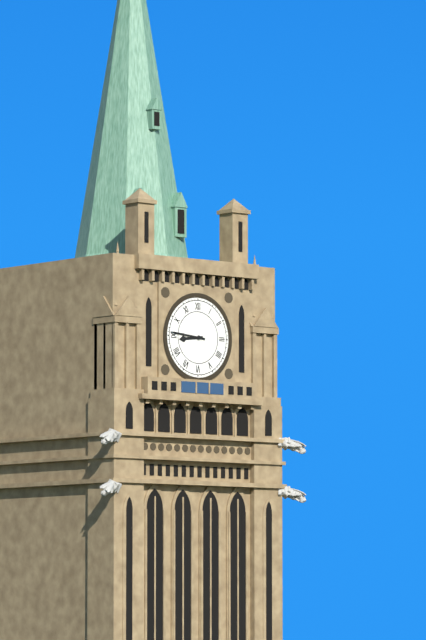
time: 8:46
